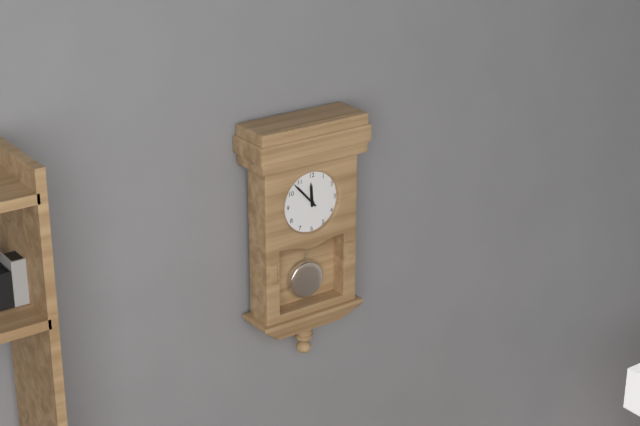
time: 11:53
